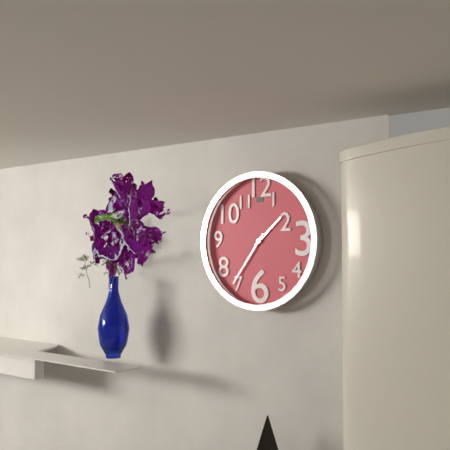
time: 1:36
